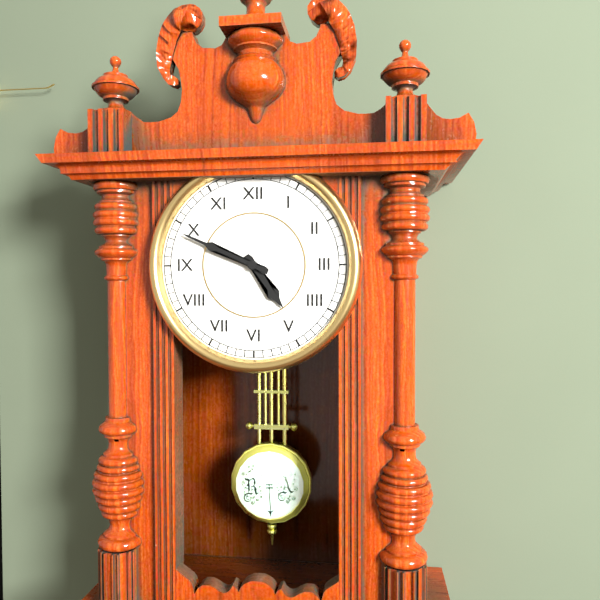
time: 4:49
